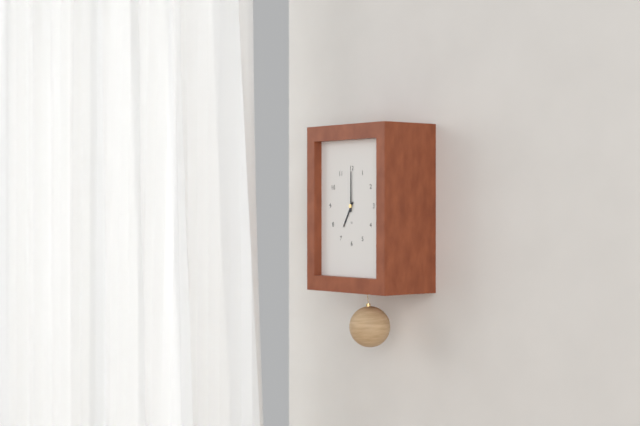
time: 7:00
